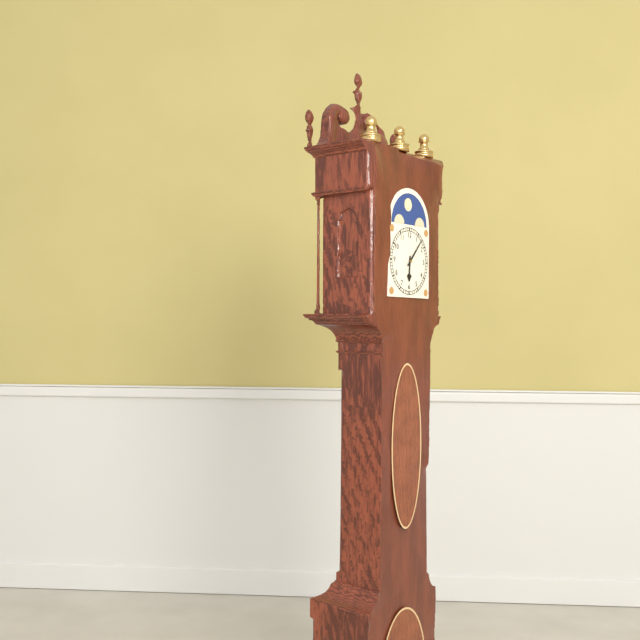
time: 6:07
